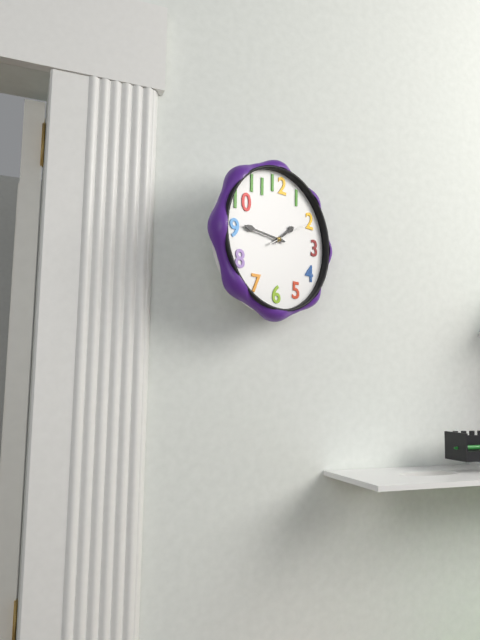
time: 1:46
